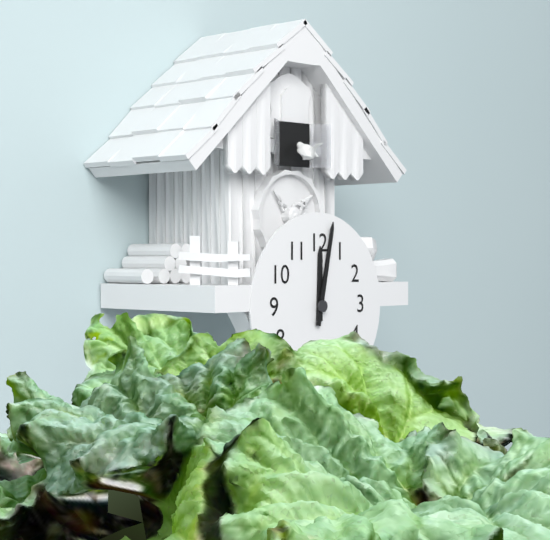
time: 12:02
